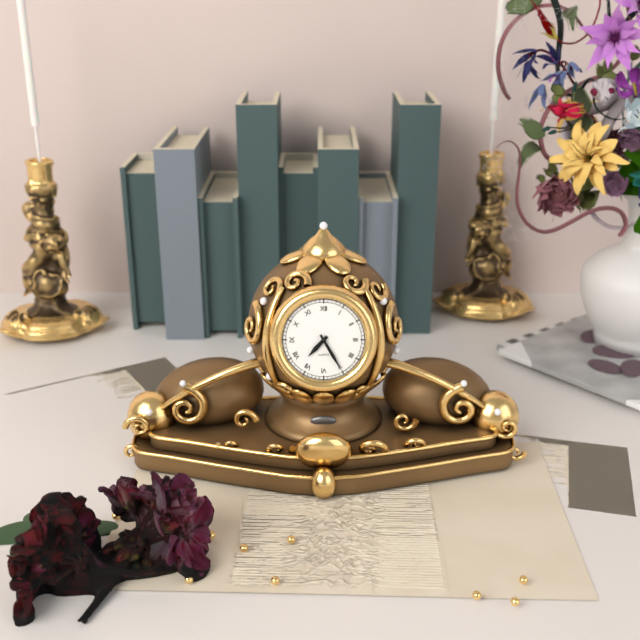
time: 7:25
